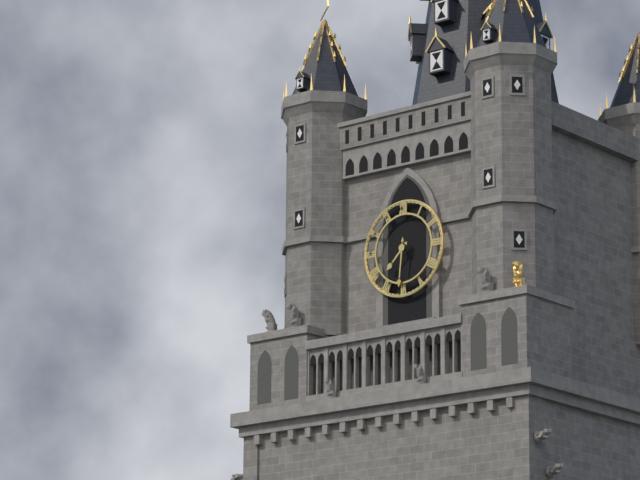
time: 7:31
